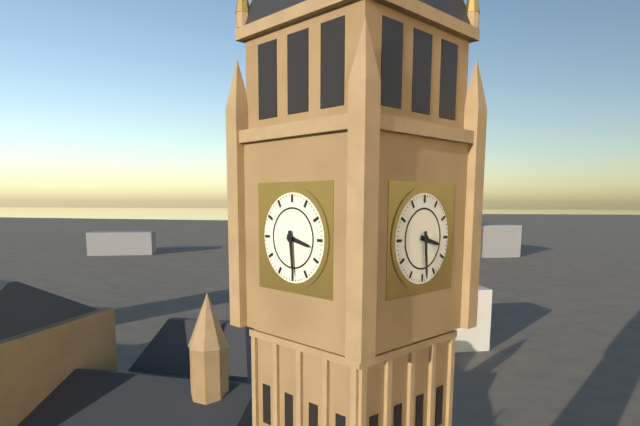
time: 3:29
